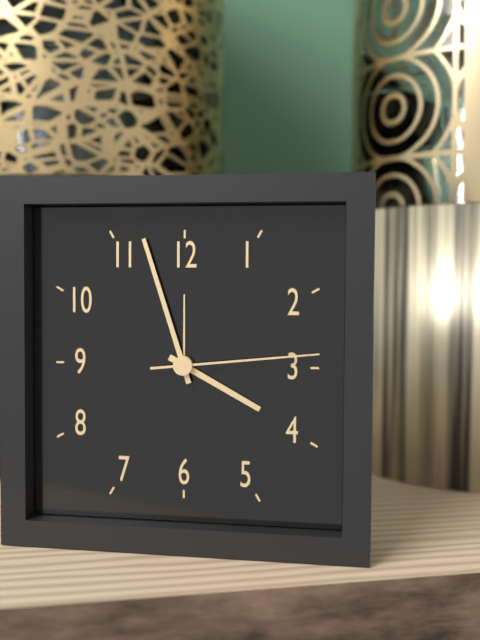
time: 3:57:14
